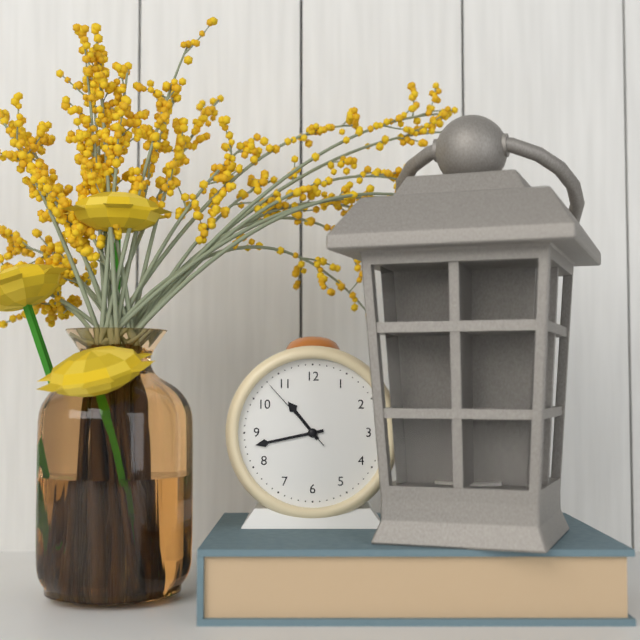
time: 10:43:53
